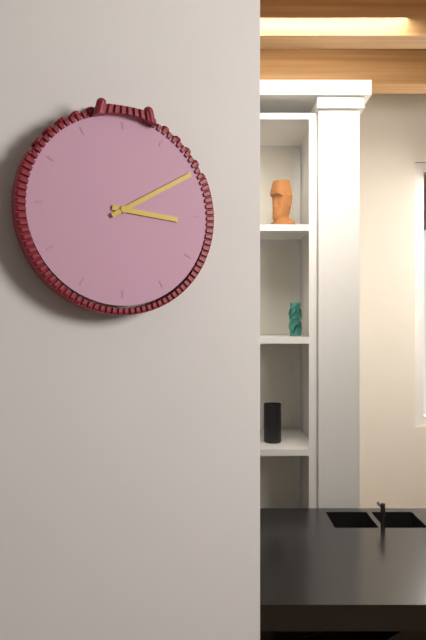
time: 3:10
